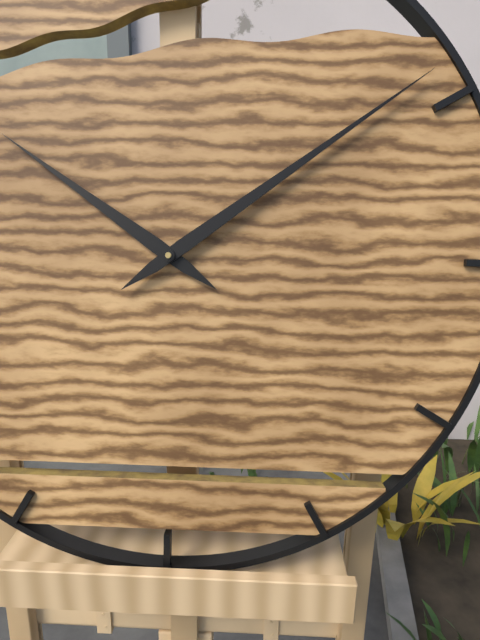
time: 10:09
